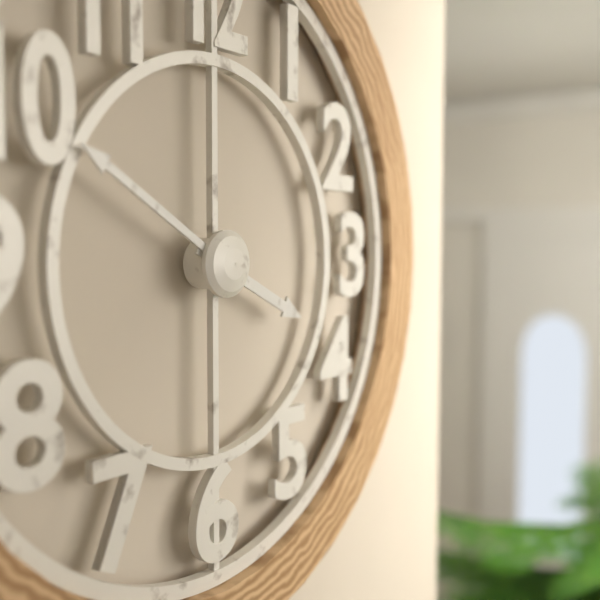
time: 3:50
